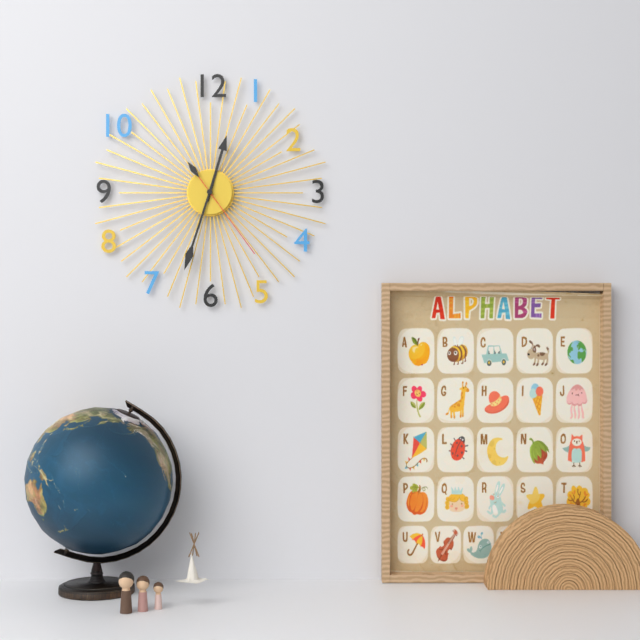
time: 12:33:24
